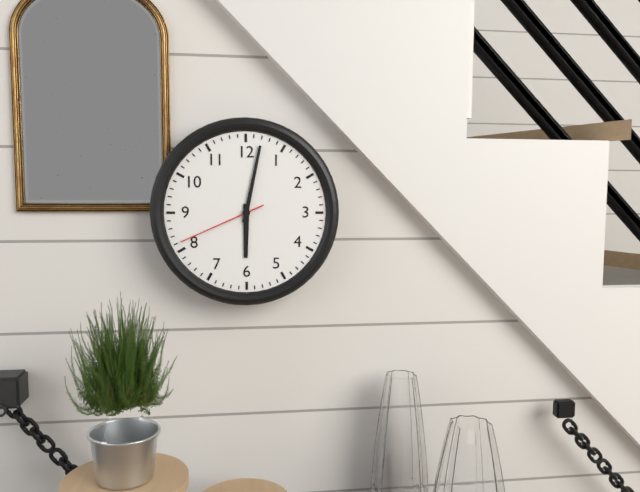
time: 6:02:41
